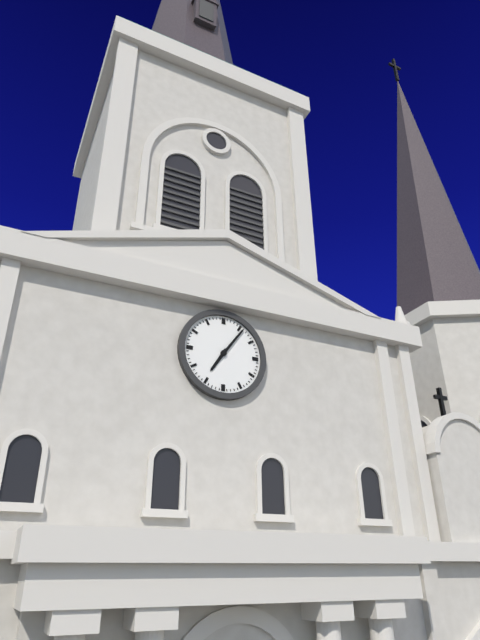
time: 7:06
